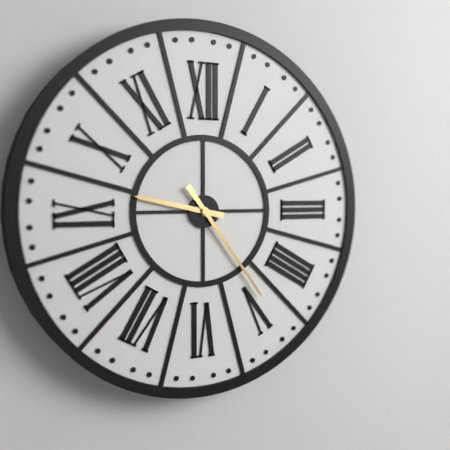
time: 9:24
